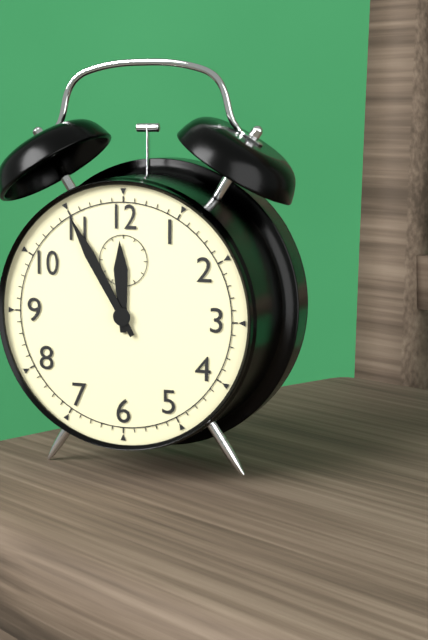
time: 11:55
